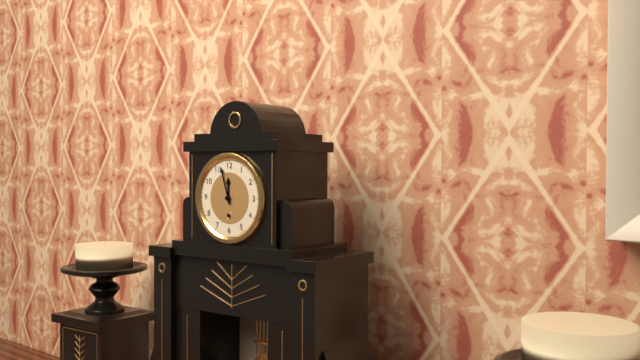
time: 11:57
